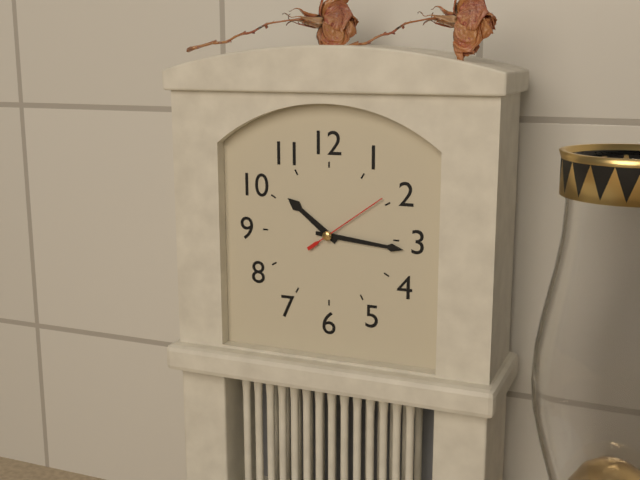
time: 10:16:09
